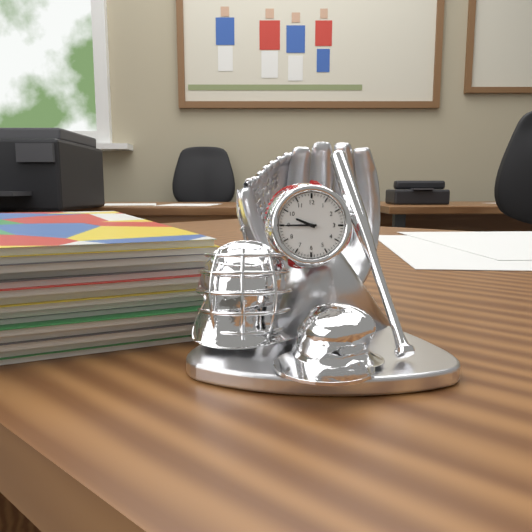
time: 9:45
